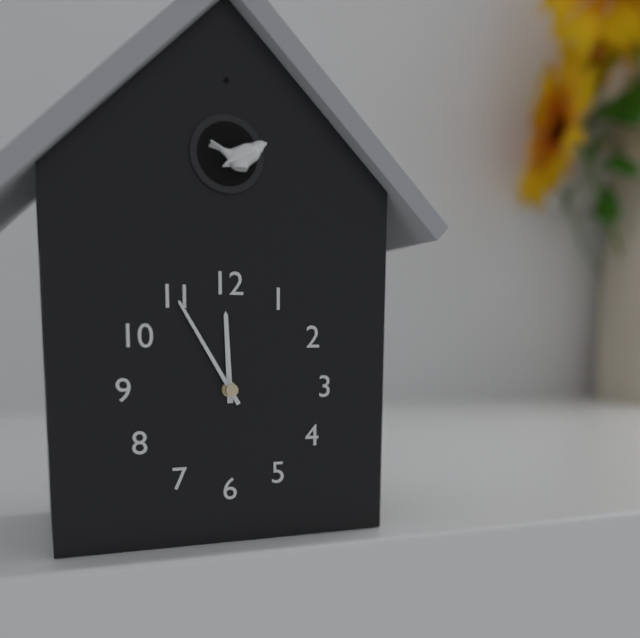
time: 11:55
